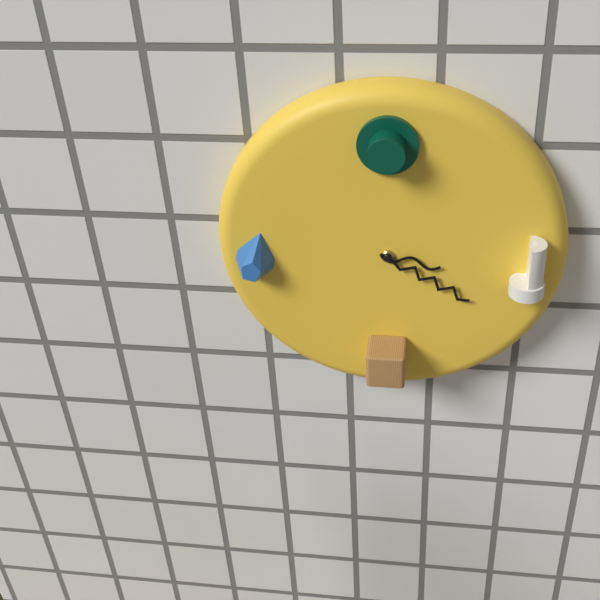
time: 3:20
